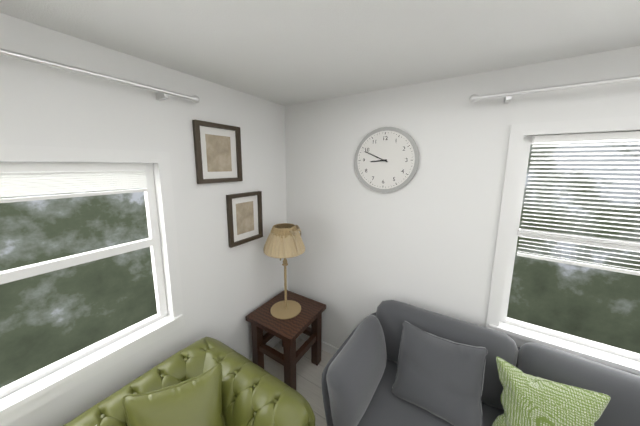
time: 8:49
